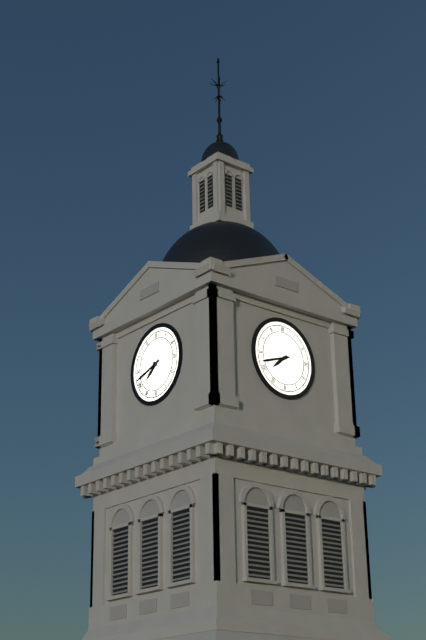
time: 7:42
